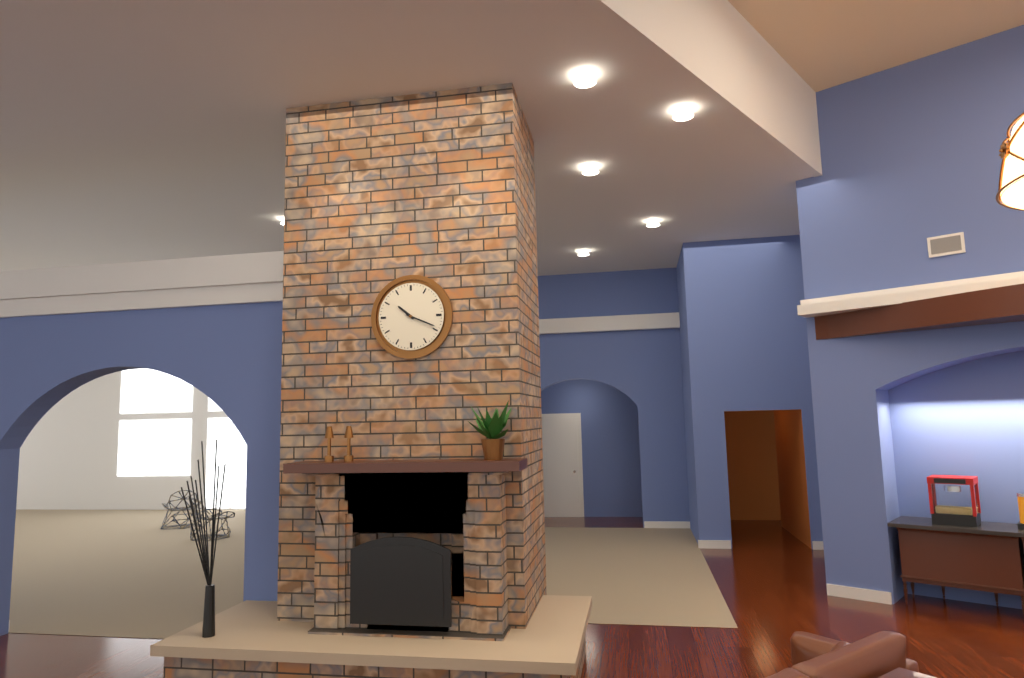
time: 10:19
